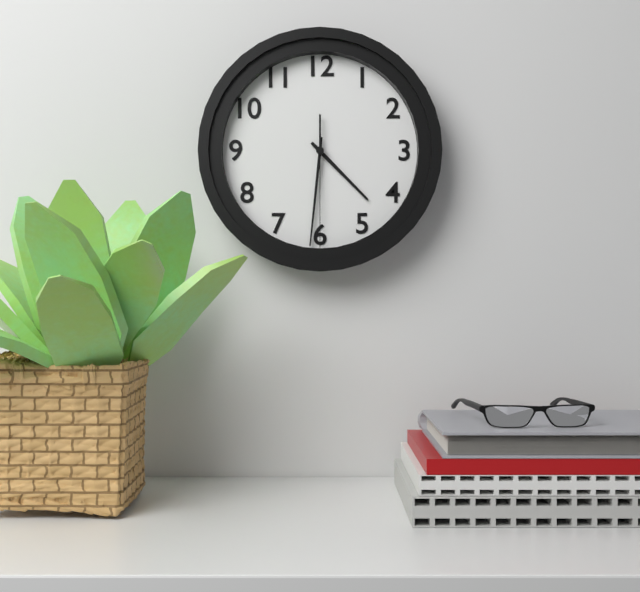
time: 4:31:30
